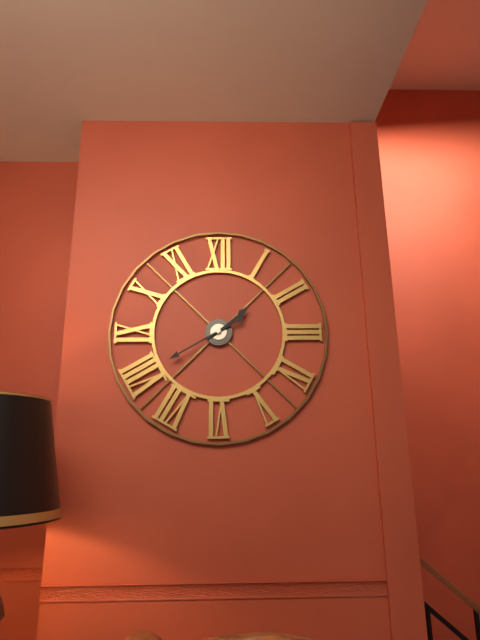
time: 1:40
